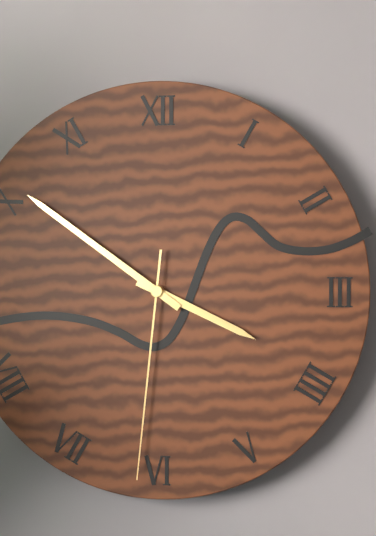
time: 3:51:31
